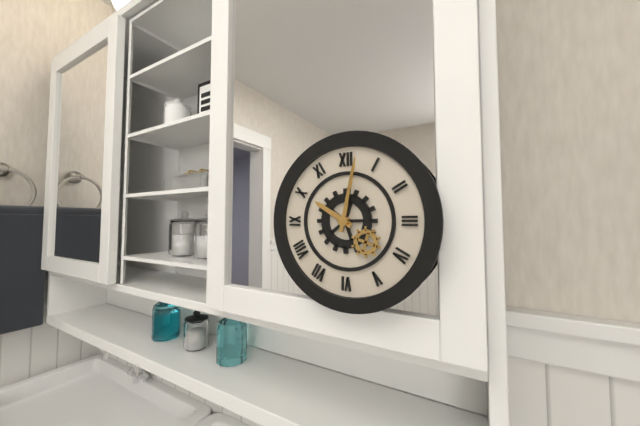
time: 10:02
